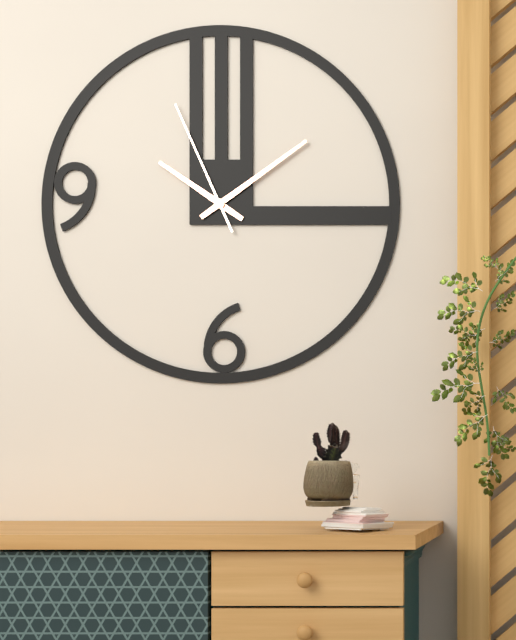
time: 10:09:56
